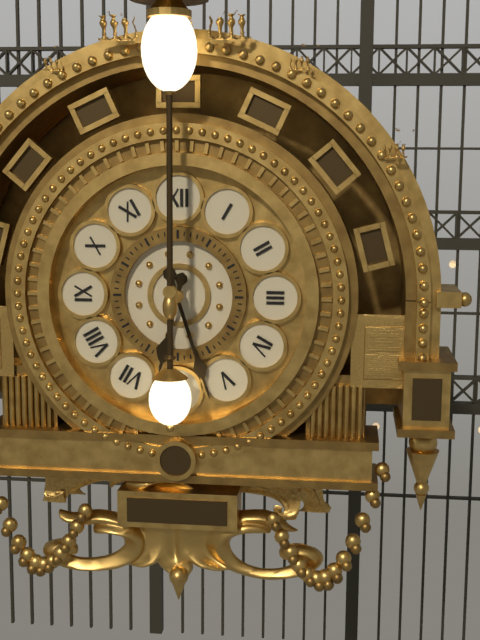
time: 6:27
